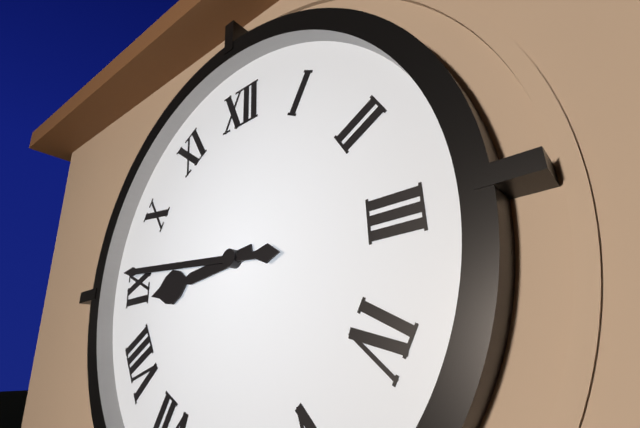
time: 8:46
